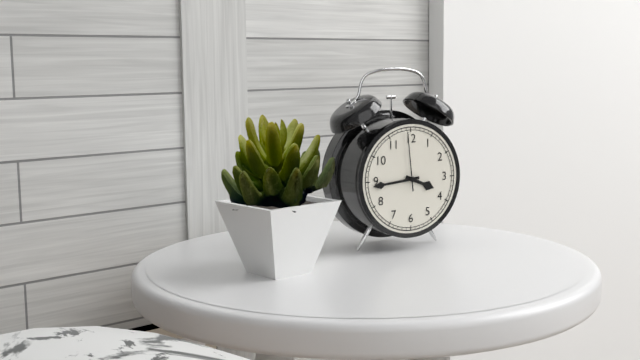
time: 3:44:59
